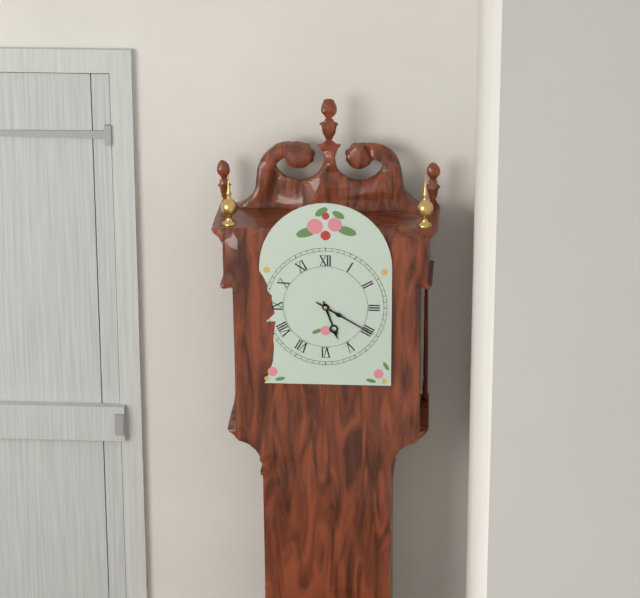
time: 5:20
